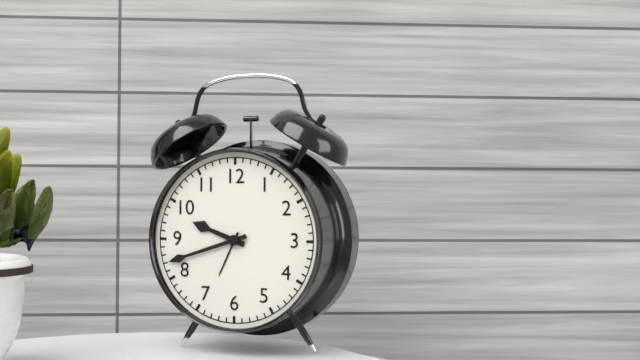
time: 9:42
